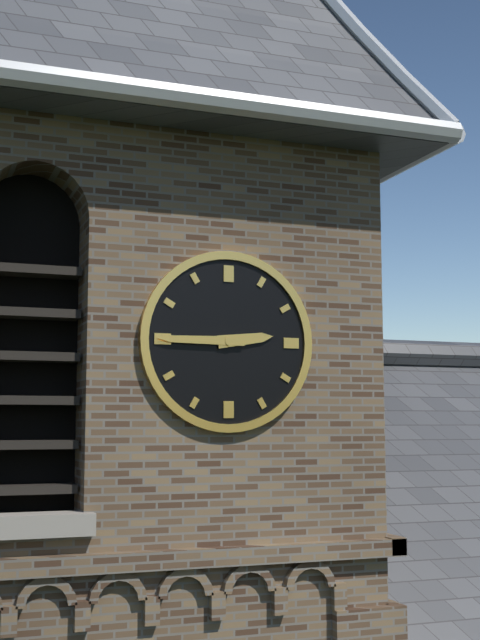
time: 2:45
